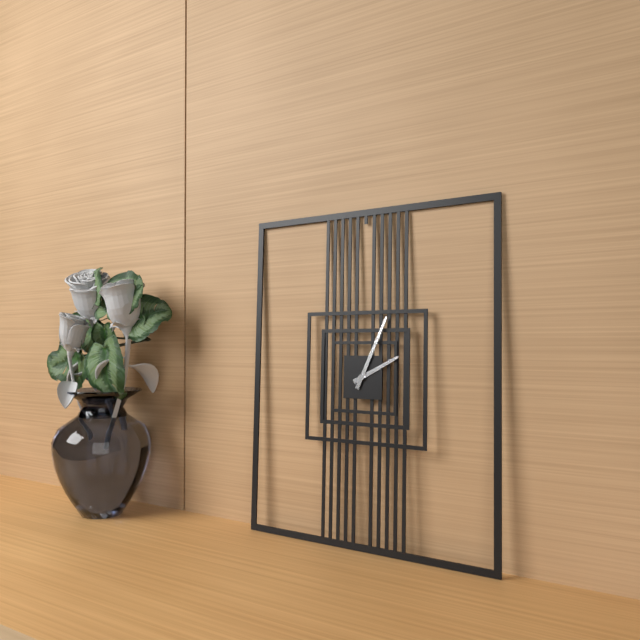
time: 2:04
